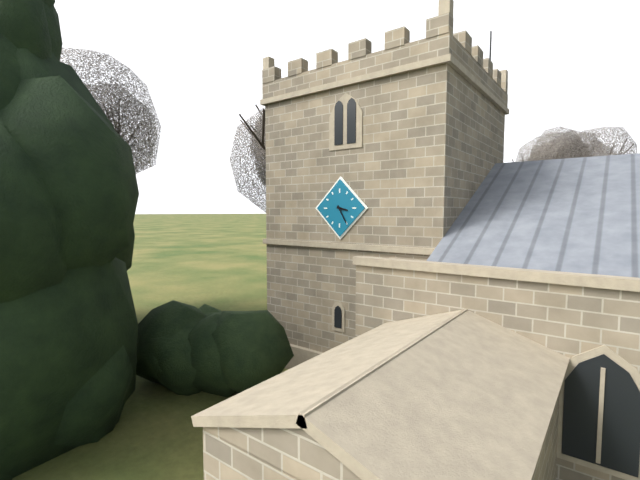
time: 3:25
